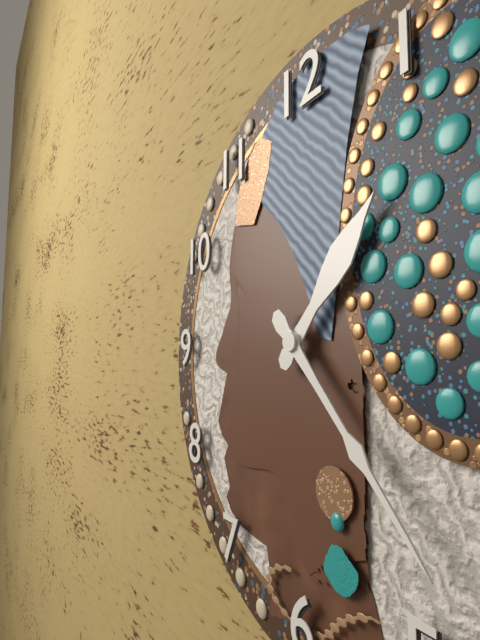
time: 1:23
